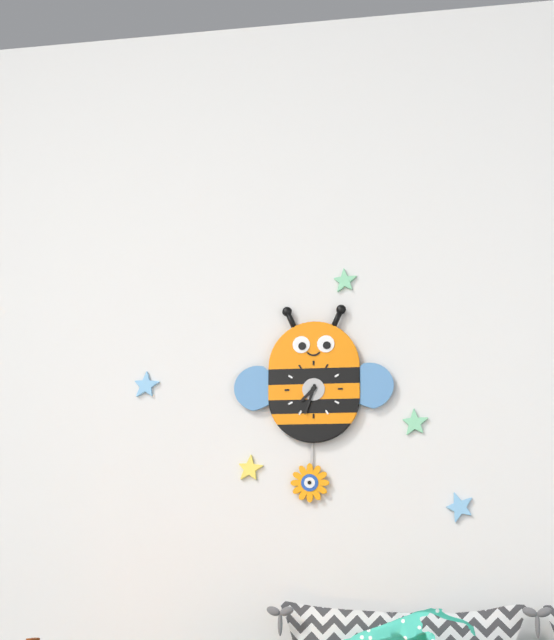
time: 7:33
